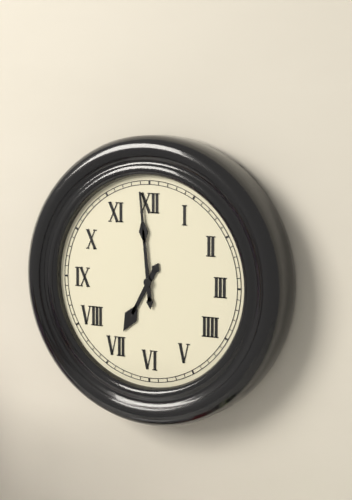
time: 6:59
